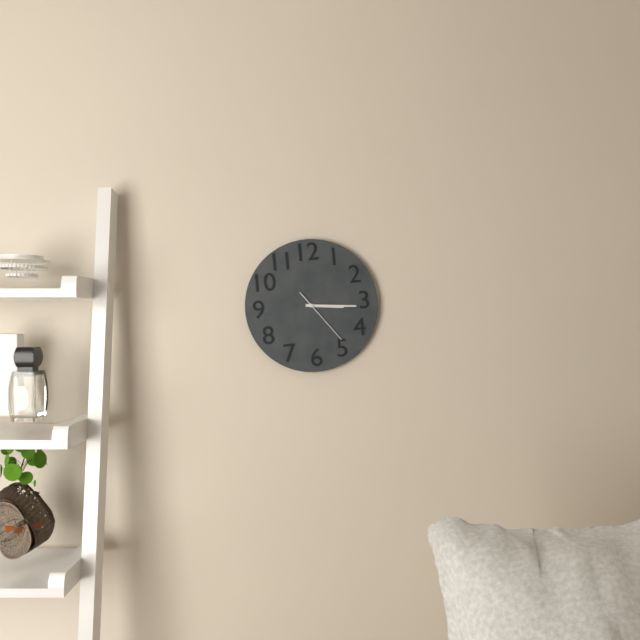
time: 3:16:24
